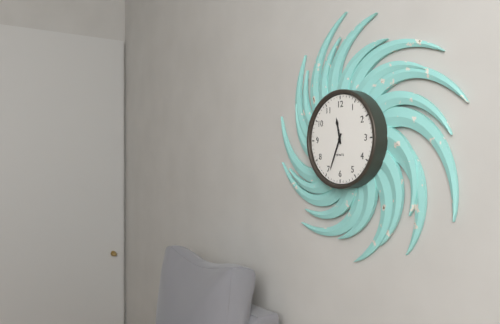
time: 11:34
